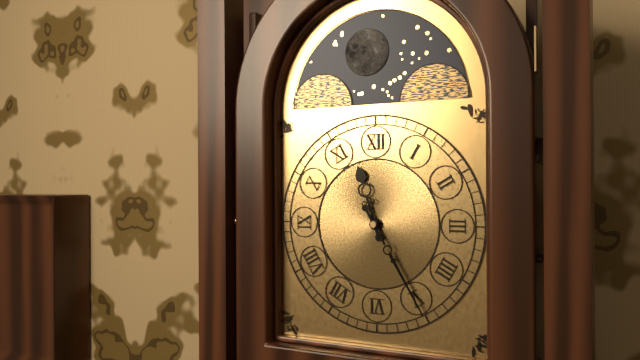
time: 11:25
